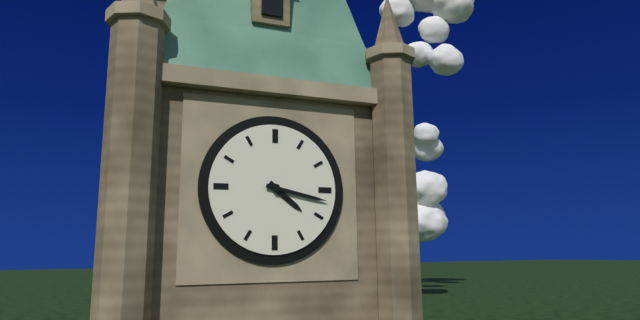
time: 4:17
